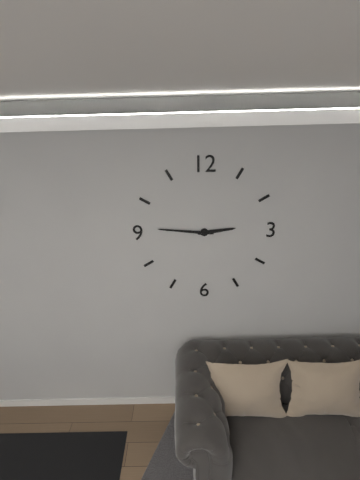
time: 2:46
